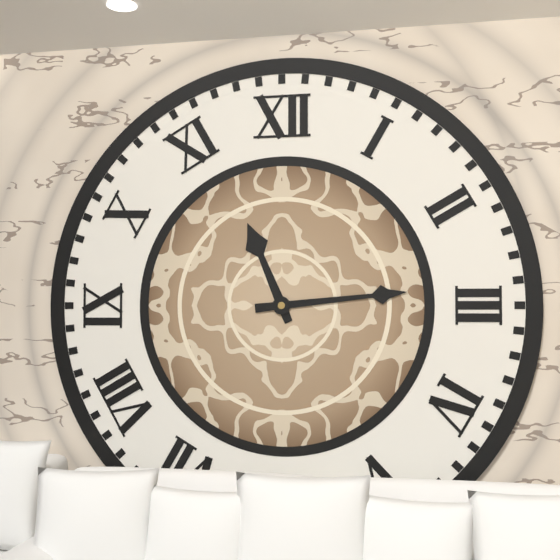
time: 11:14
